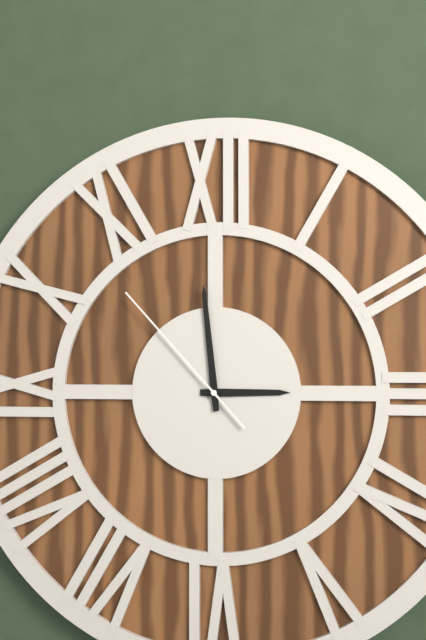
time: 2:59:53
